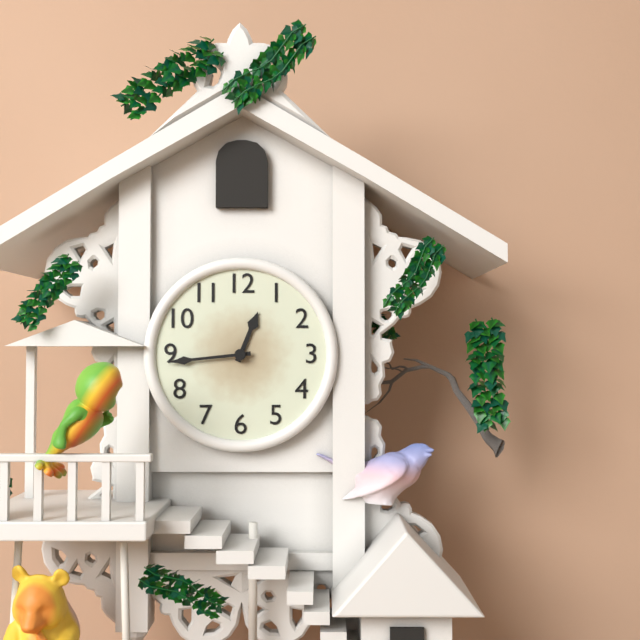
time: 12:44
